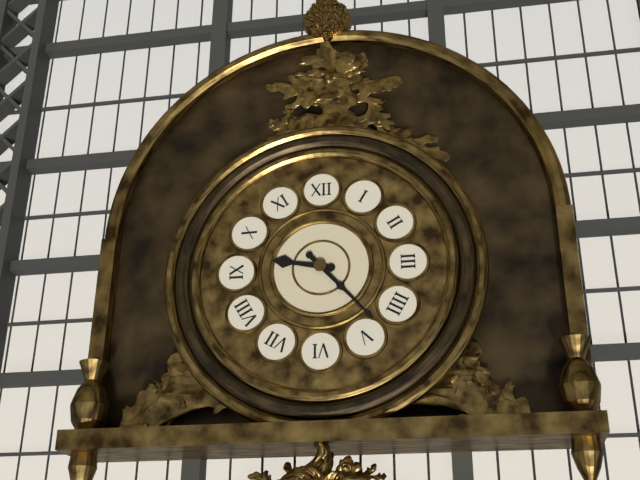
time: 9:23
